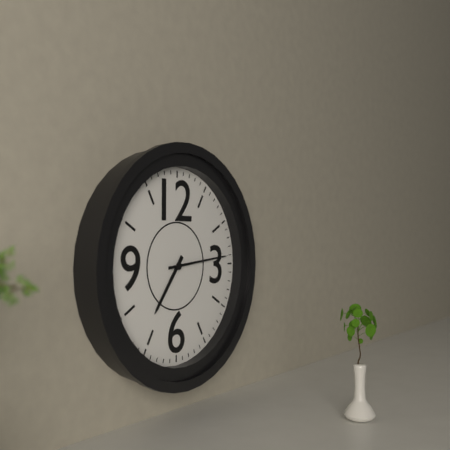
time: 7:14
